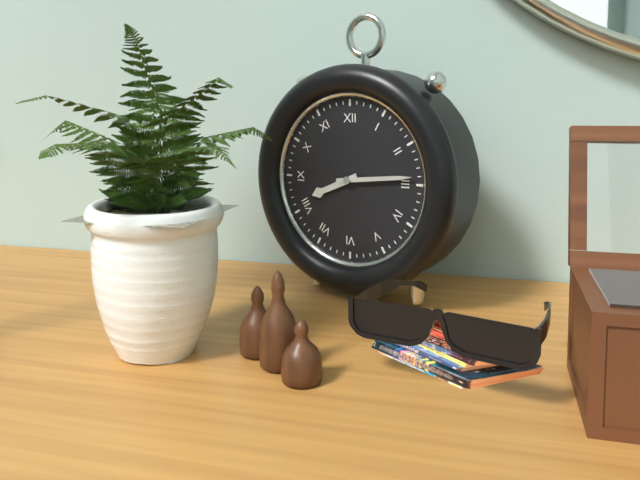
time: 8:14
